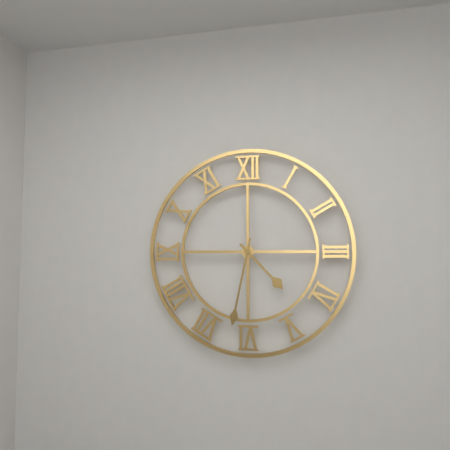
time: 4:32
